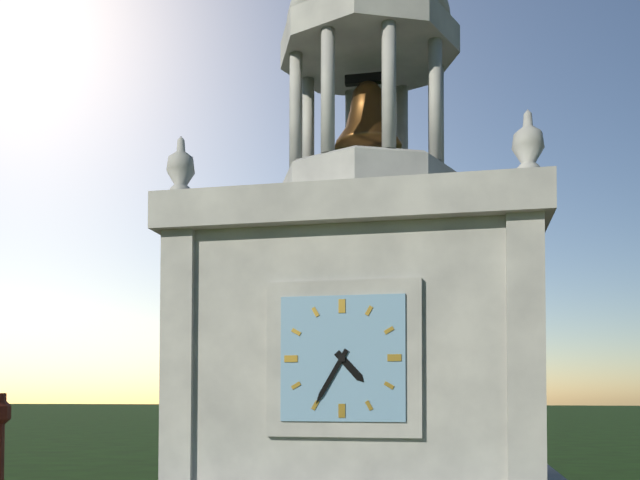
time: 4:35
